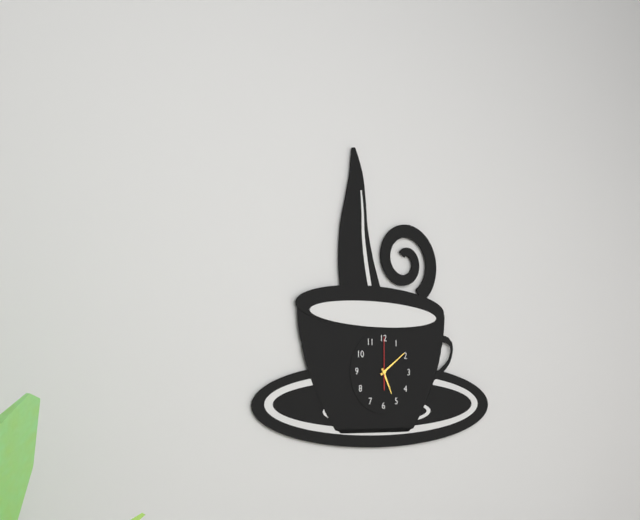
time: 5:09
